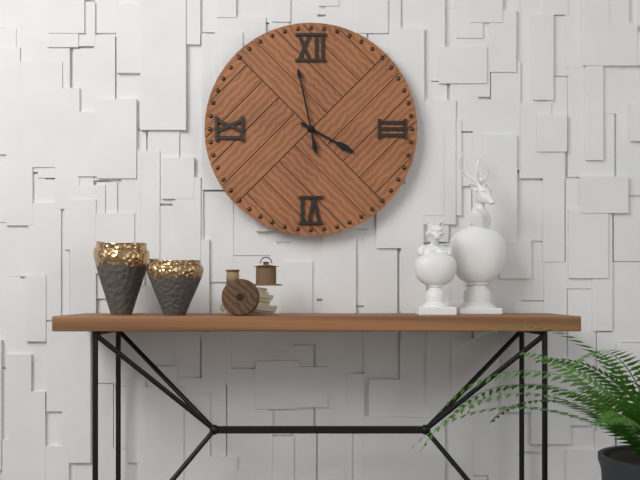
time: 3:58
